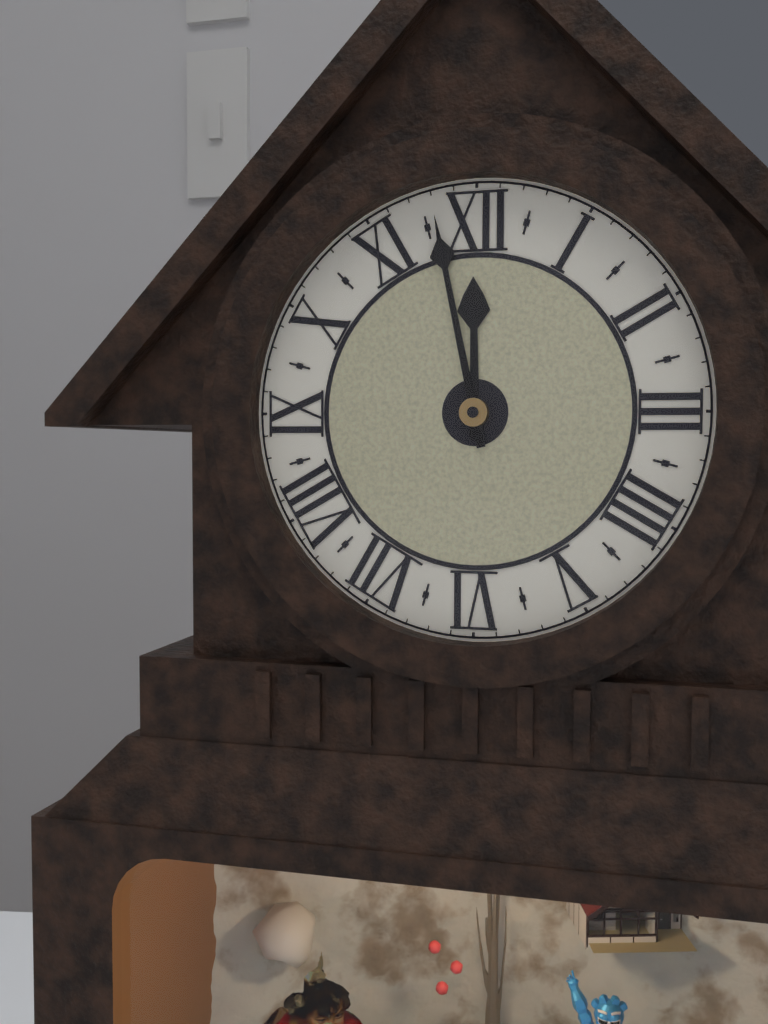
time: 11:58
